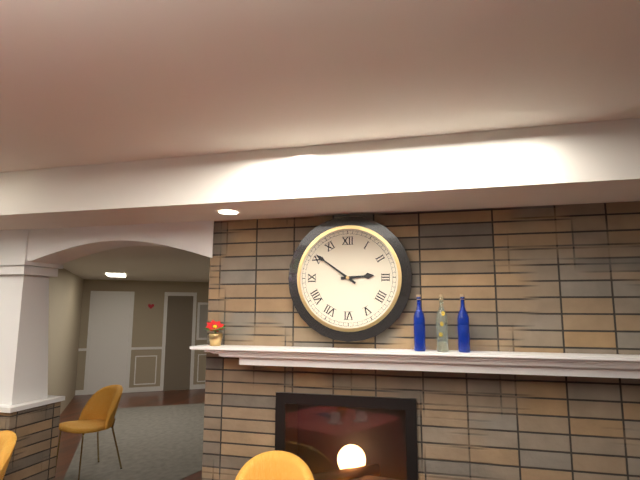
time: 2:51
